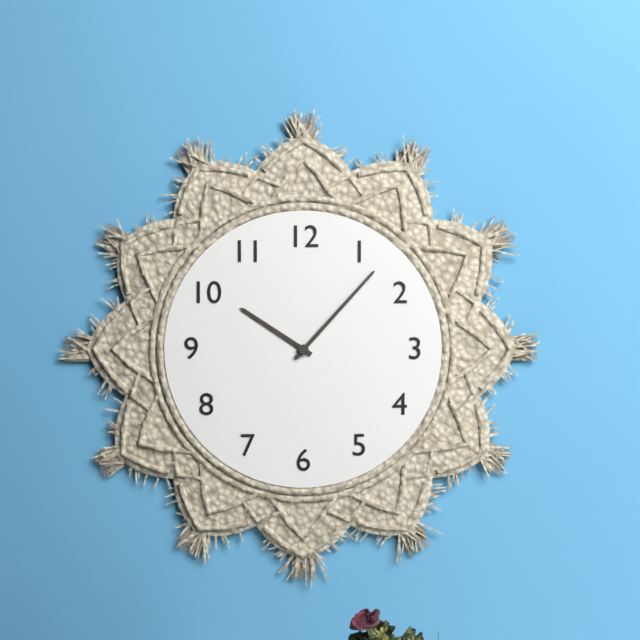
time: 10:07
